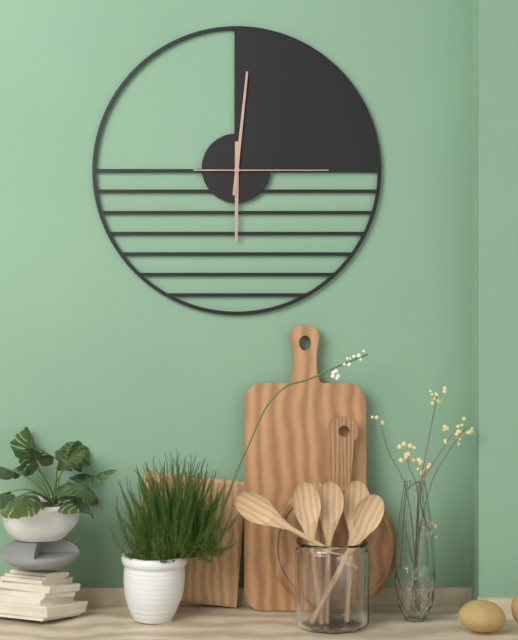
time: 6:01:15
